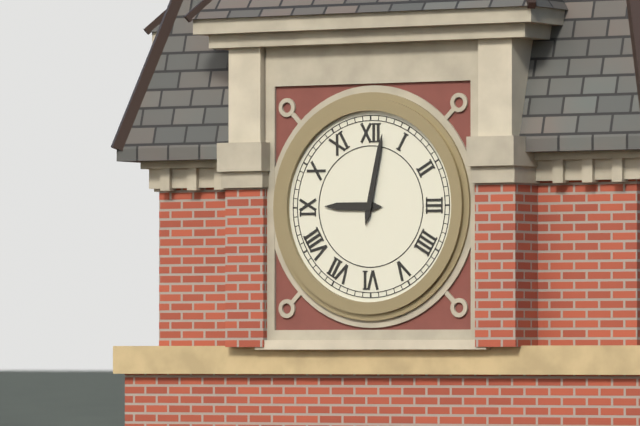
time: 9:02
